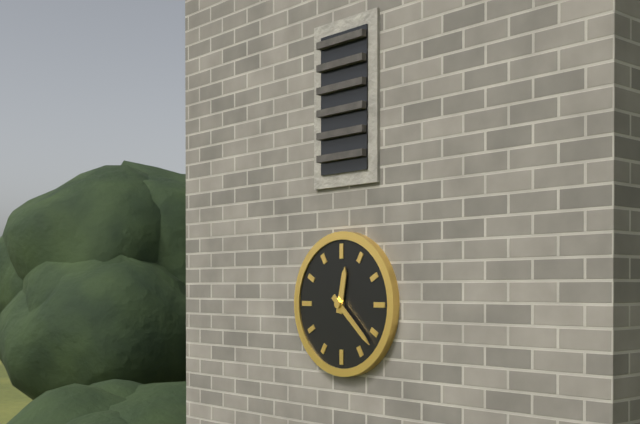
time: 12:22
